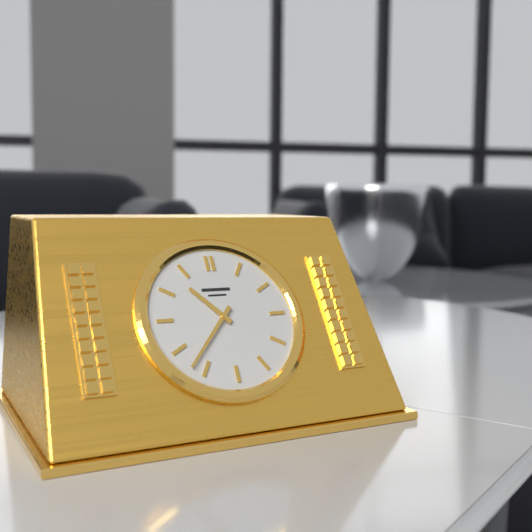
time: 10:37
